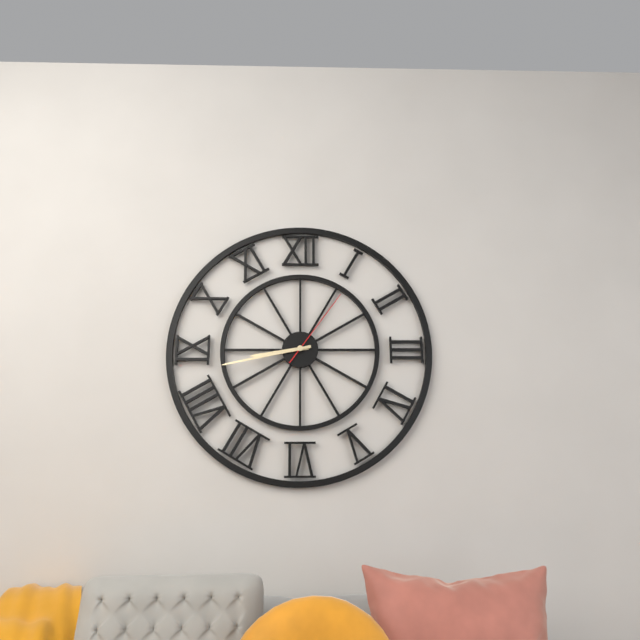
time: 8:43:06
